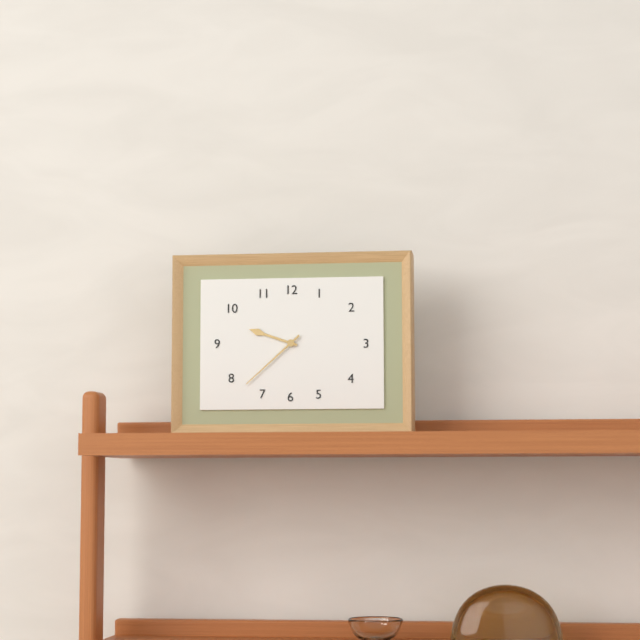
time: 9:38
